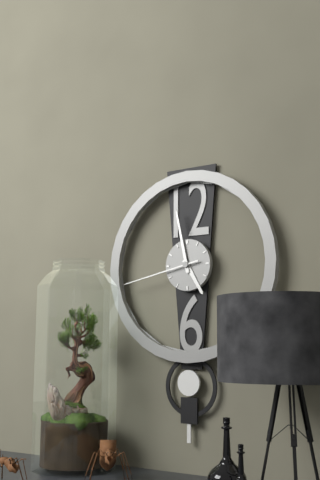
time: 4:58:43
